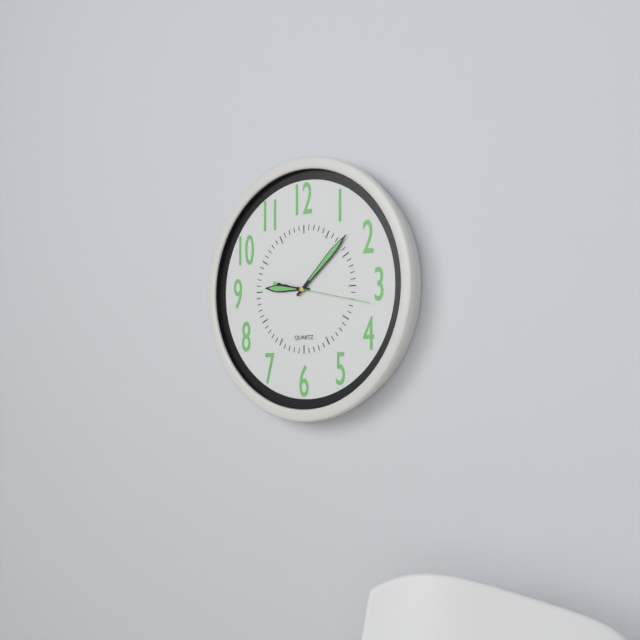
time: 9:08:17
